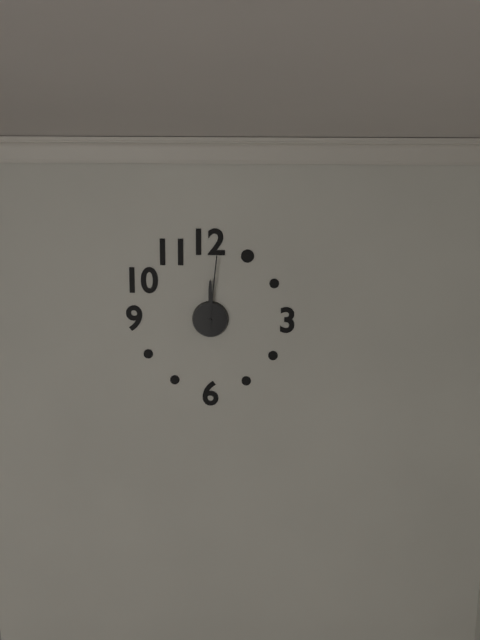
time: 12:01
